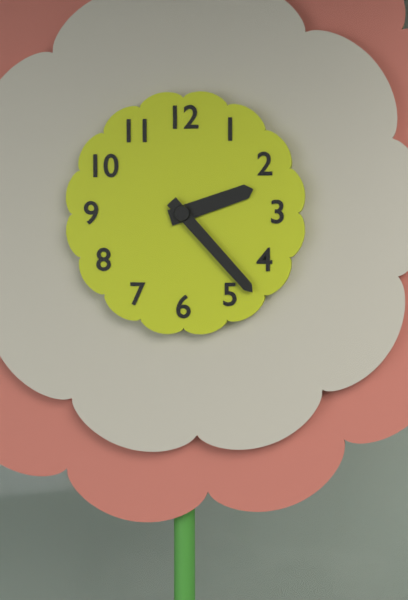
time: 2:23
